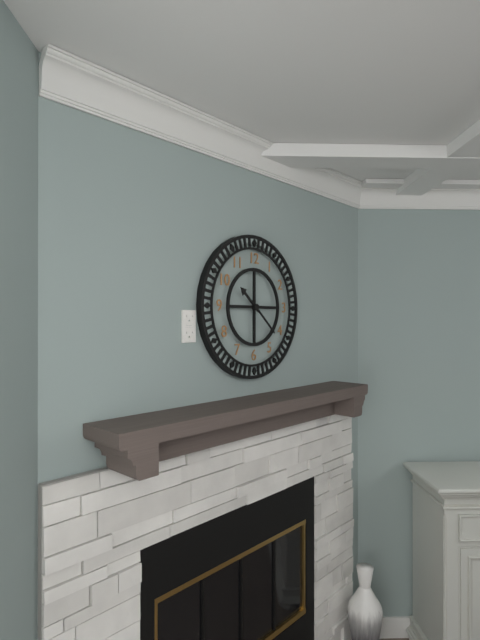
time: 10:22
